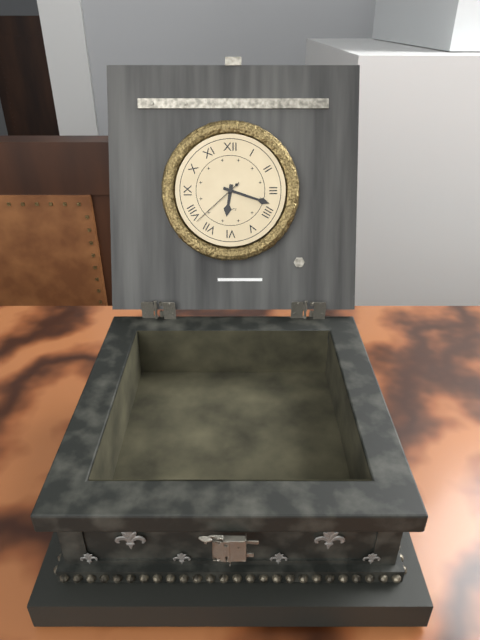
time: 6:18:38
